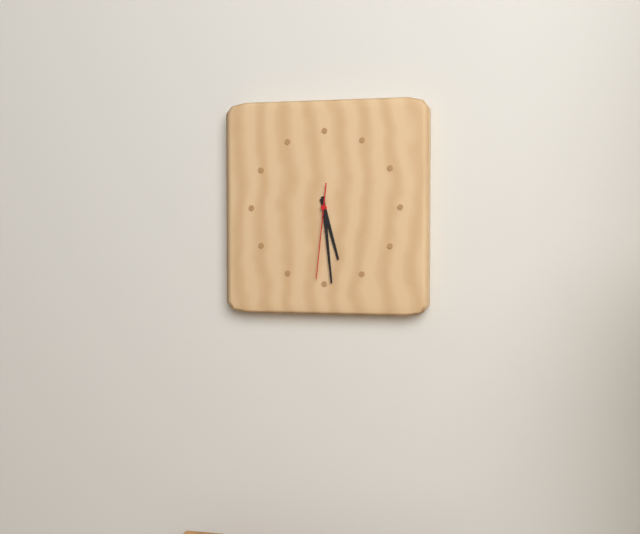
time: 5:29:31
